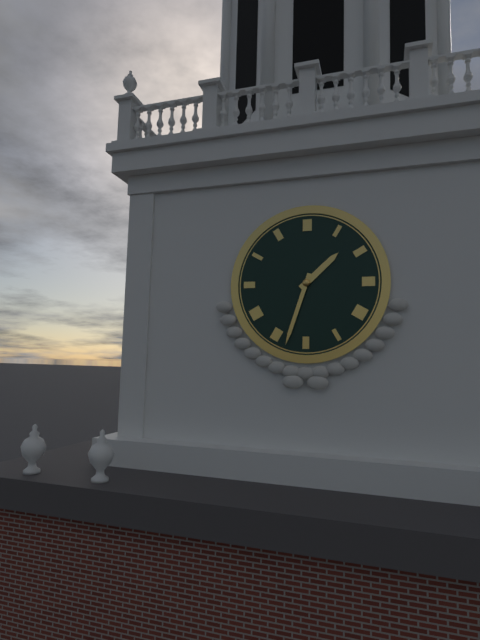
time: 1:33
